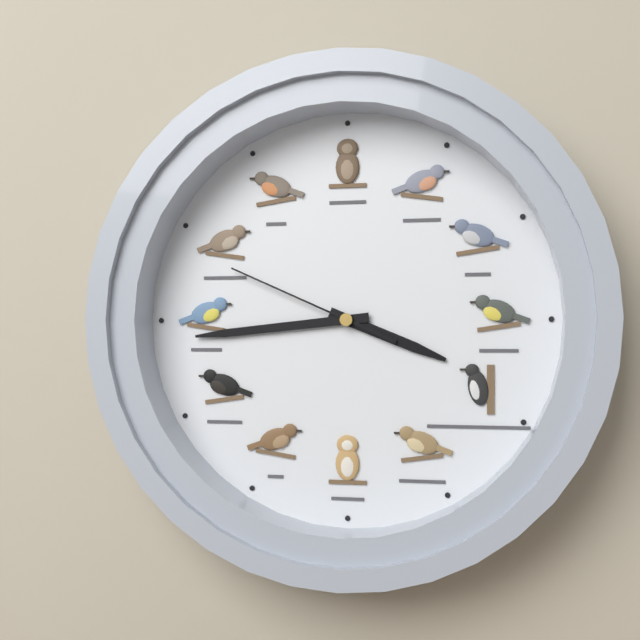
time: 3:44:49
